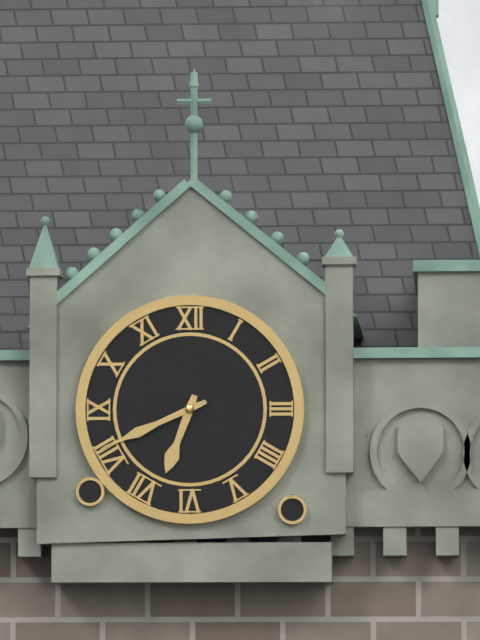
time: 6:41
